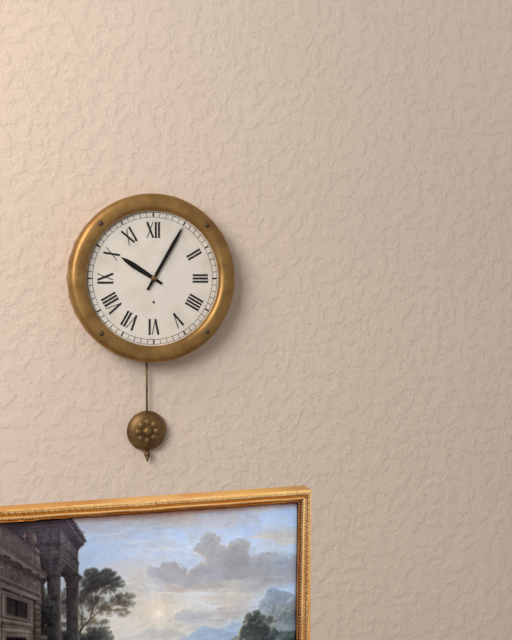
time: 10:05
